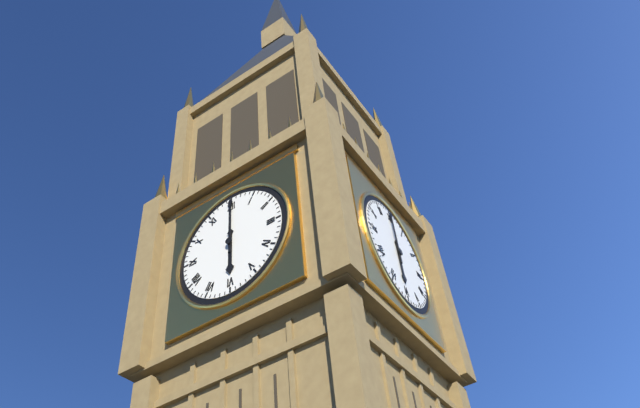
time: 6:00
